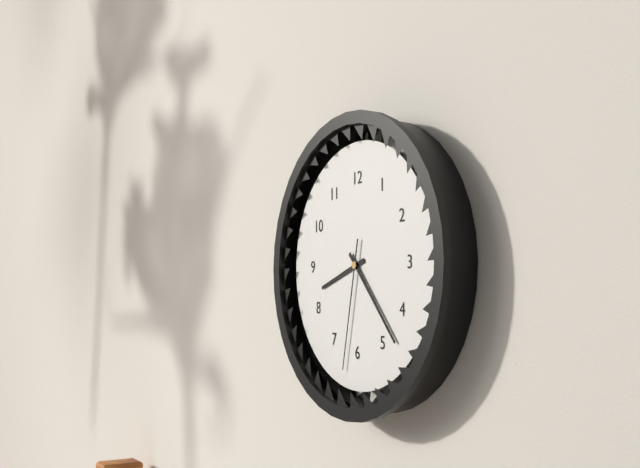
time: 8:23:32
